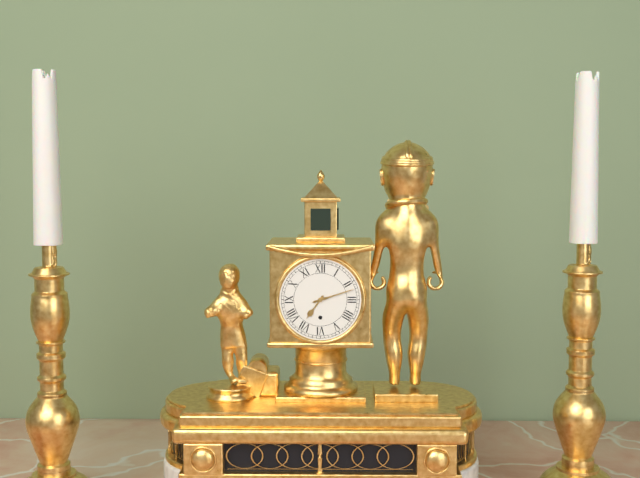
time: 7:12
